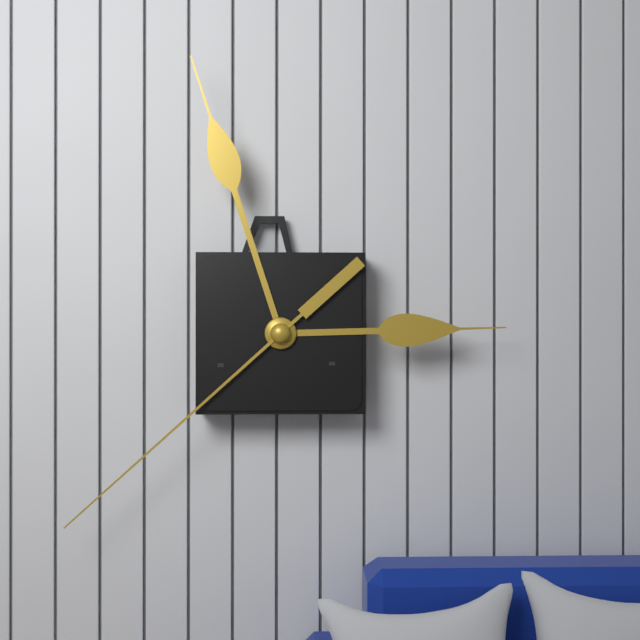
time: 2:57:38
